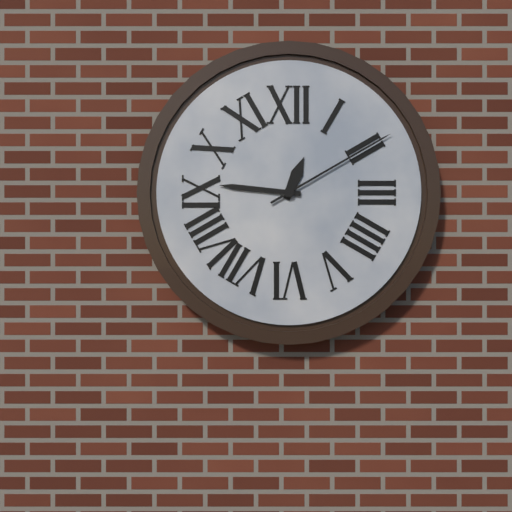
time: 12:46:10
